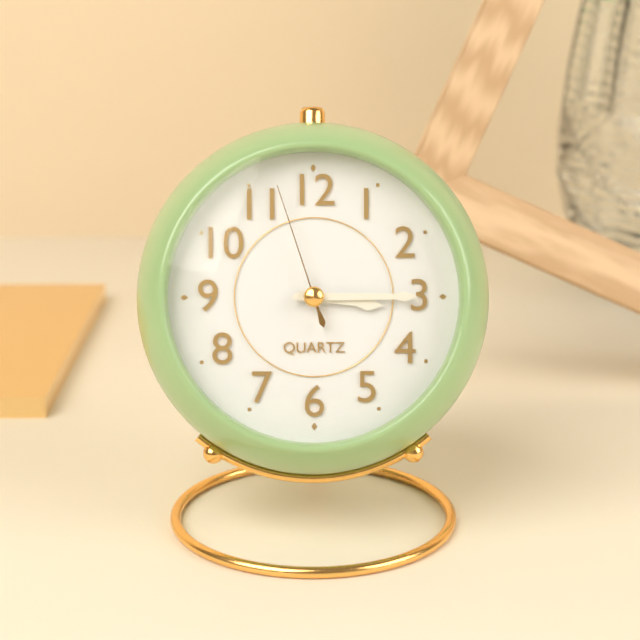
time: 3:15:57
